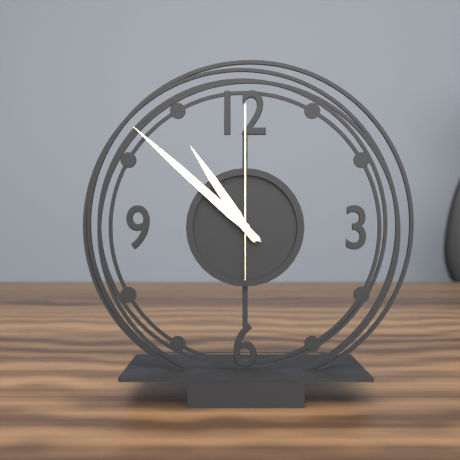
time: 10:52:00
